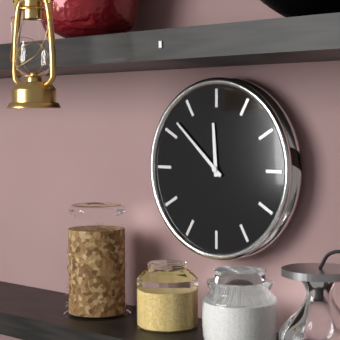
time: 11:52
